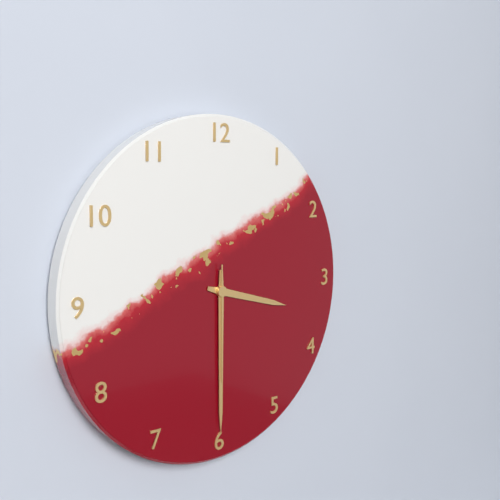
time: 3:30:30
